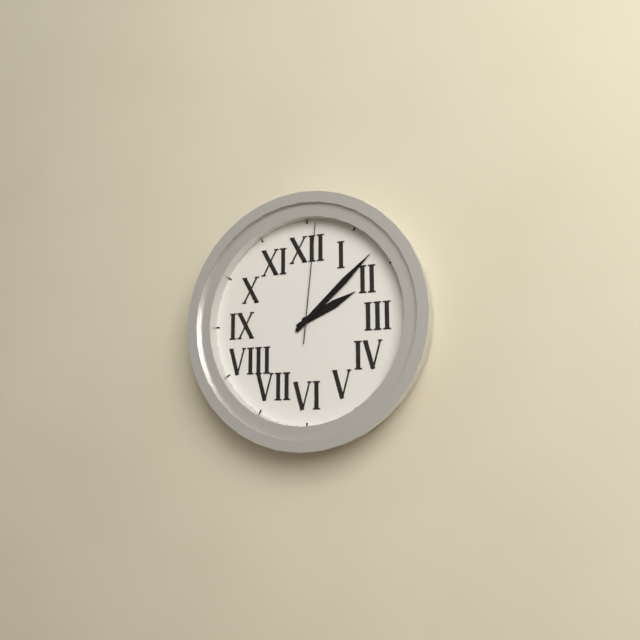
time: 2:08:01
